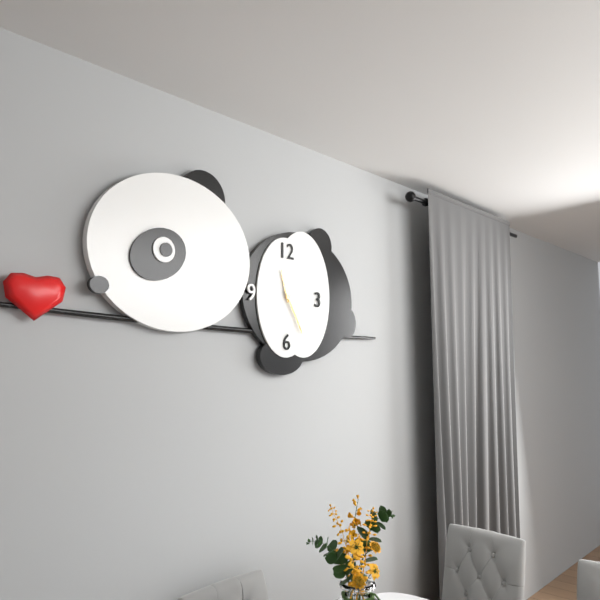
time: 11:25
